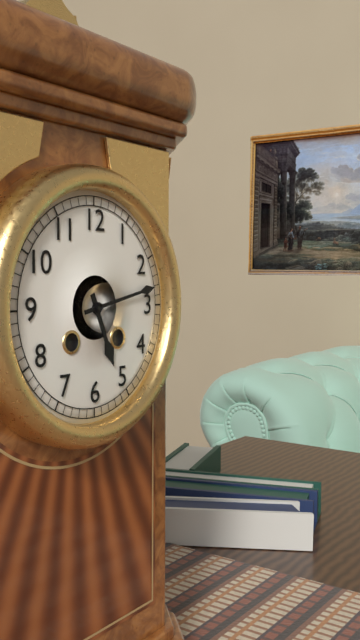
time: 5:13
